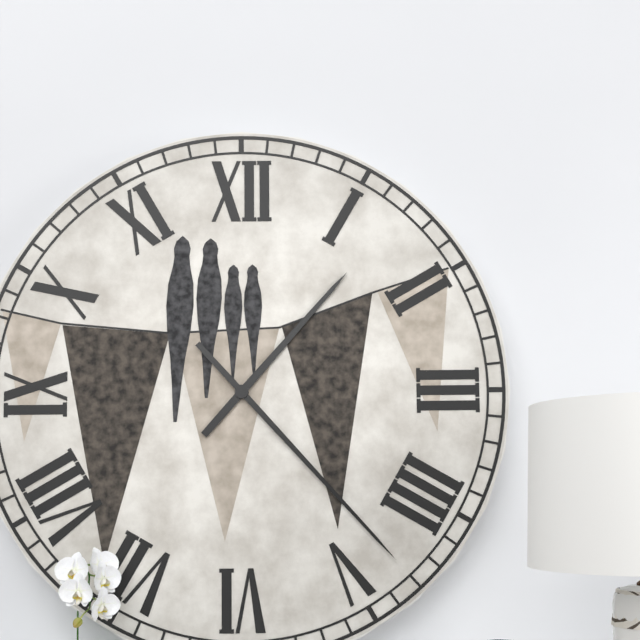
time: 1:23
